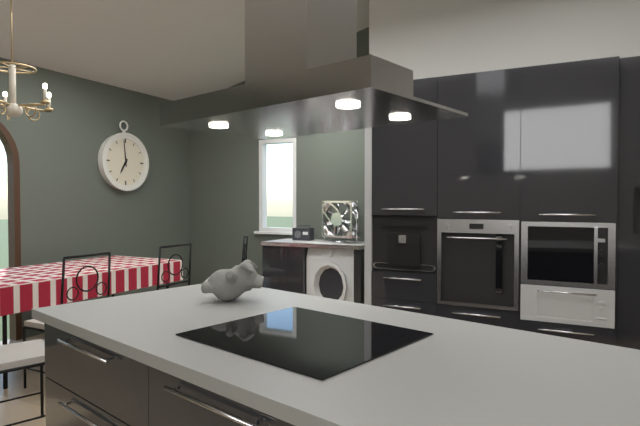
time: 6:59
